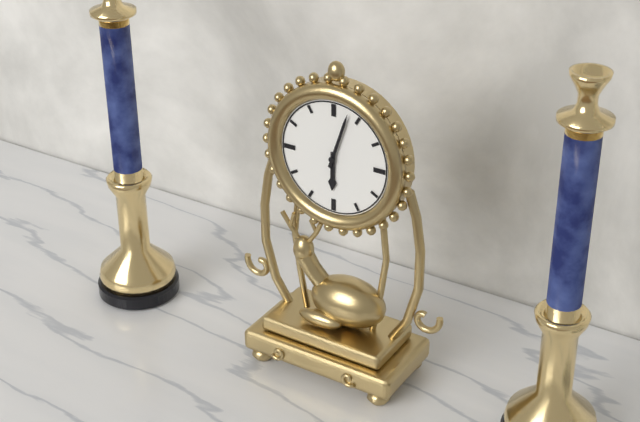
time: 6:03
